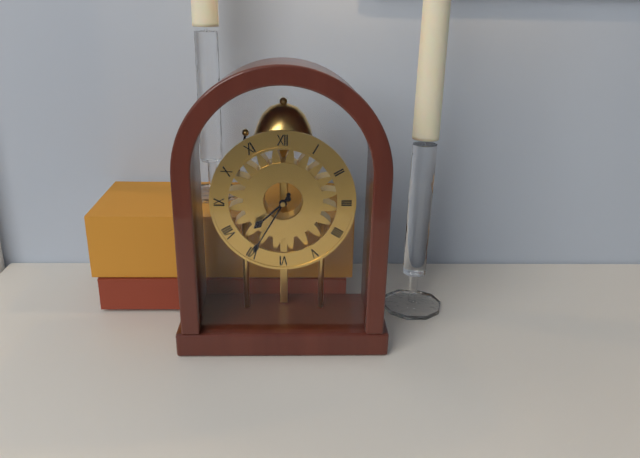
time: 7:35
